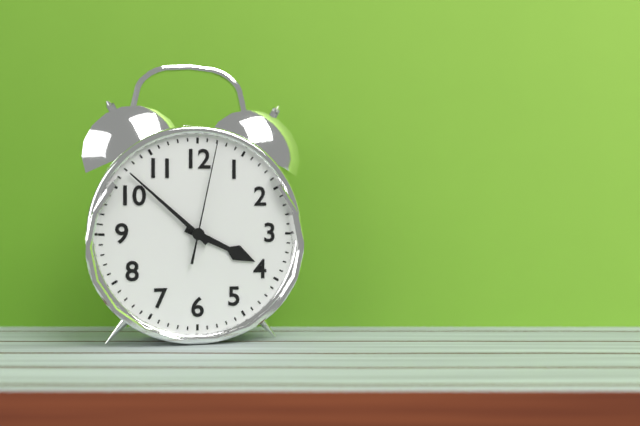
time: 3:52:02
